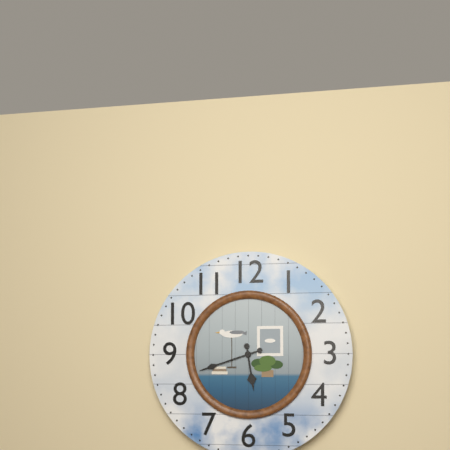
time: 5:42
